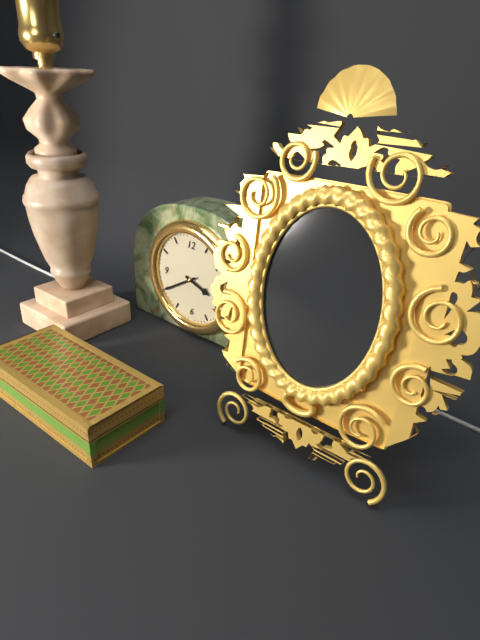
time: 3:40
